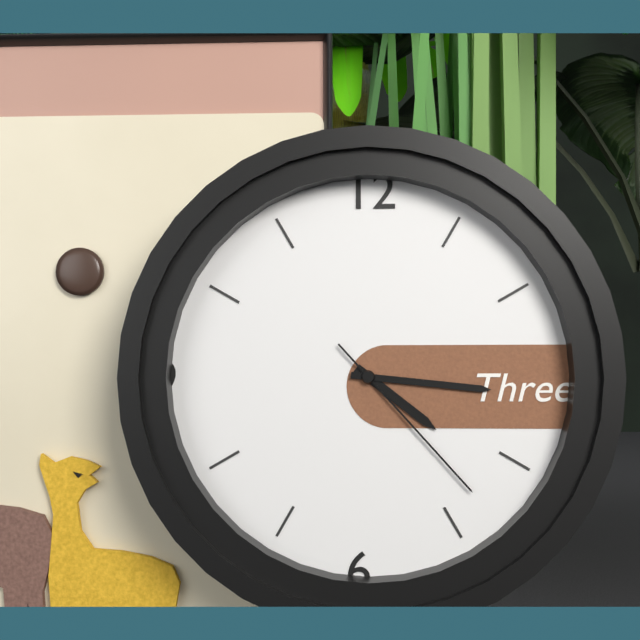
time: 4:16:23
